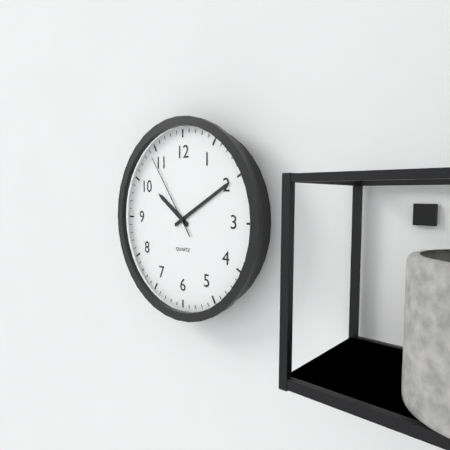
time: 10:10:54
